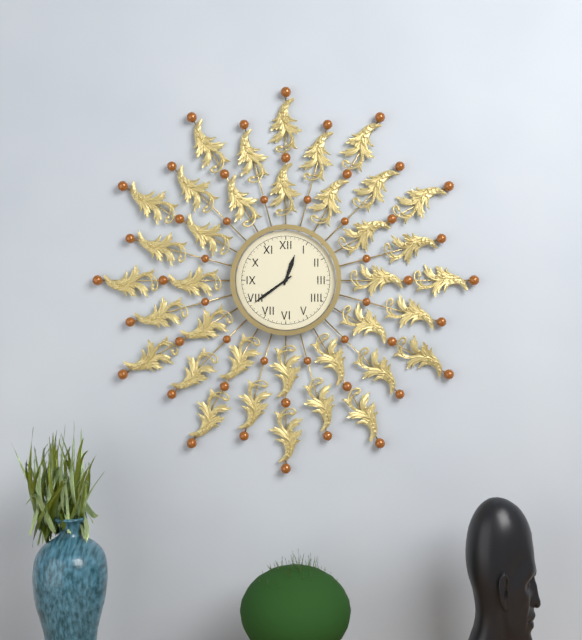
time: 12:39
